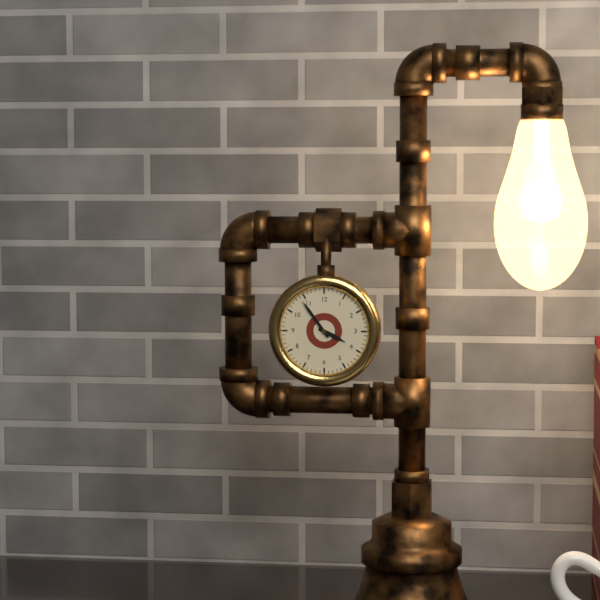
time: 3:54
